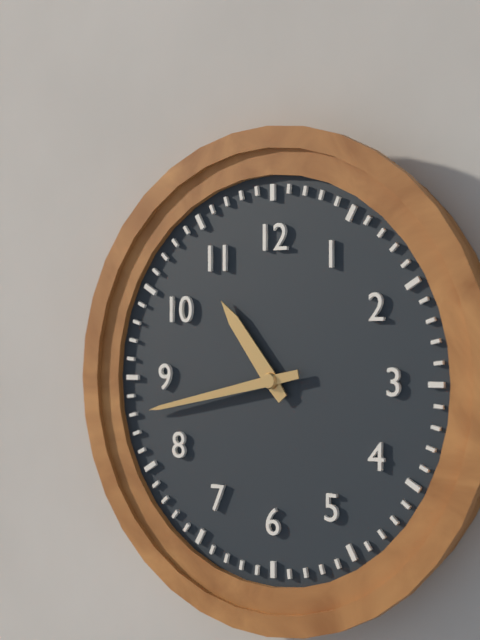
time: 10:43
